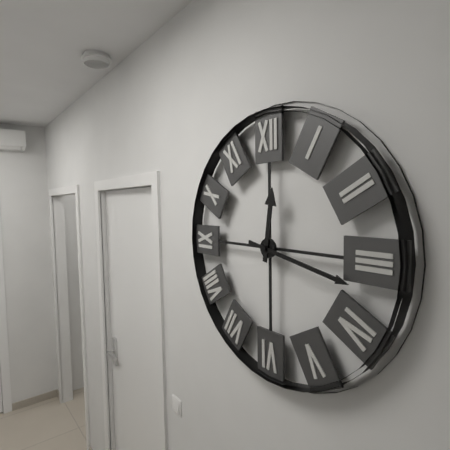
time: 12:17
